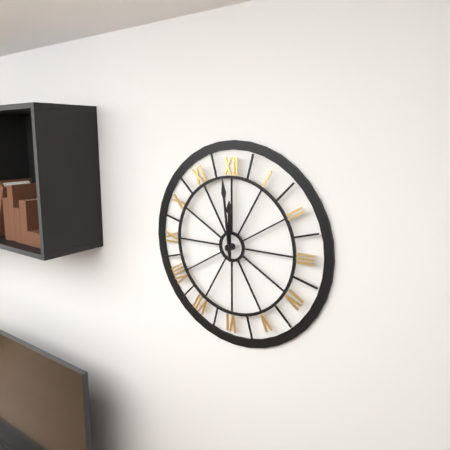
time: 11:59
